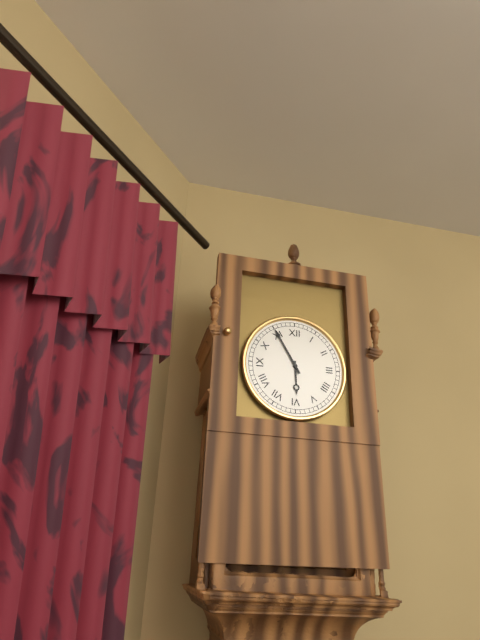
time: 5:55
